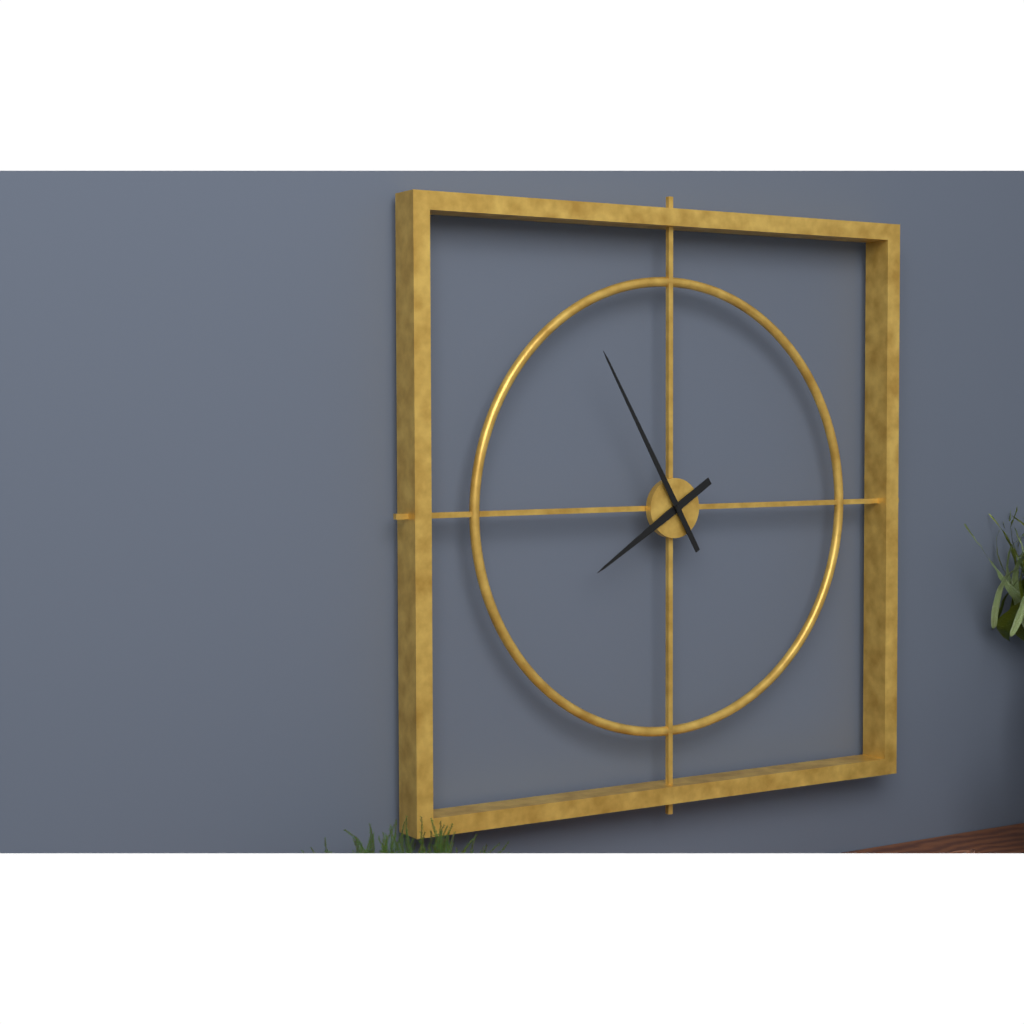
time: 7:55
